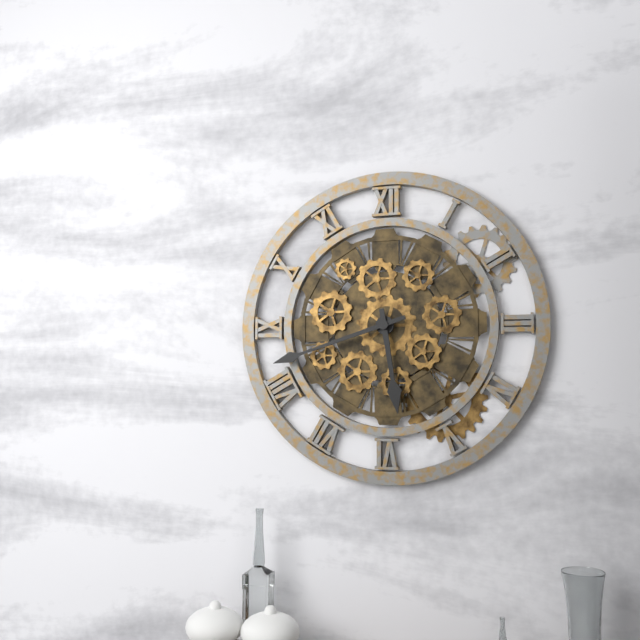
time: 5:42
